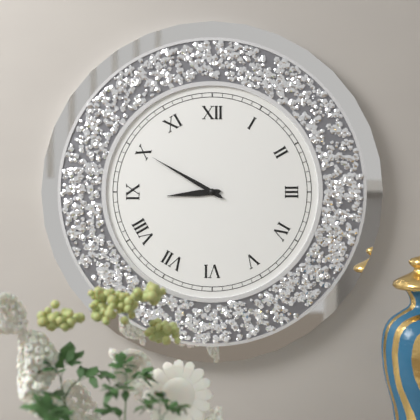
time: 8:50
